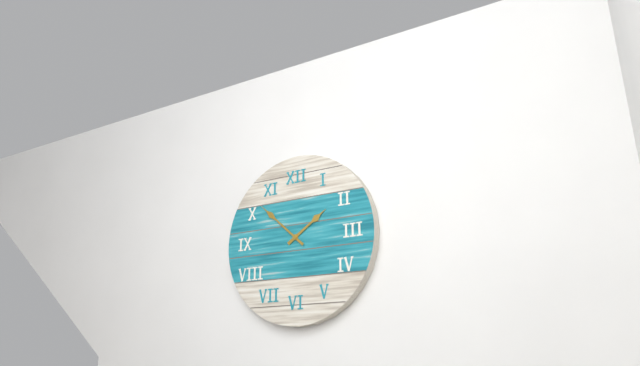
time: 1:52
